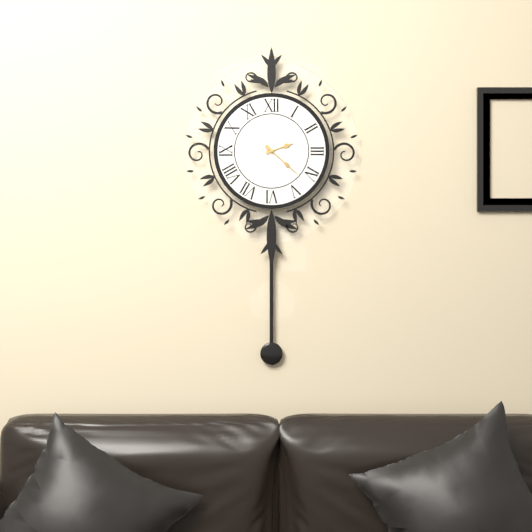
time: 2:22
